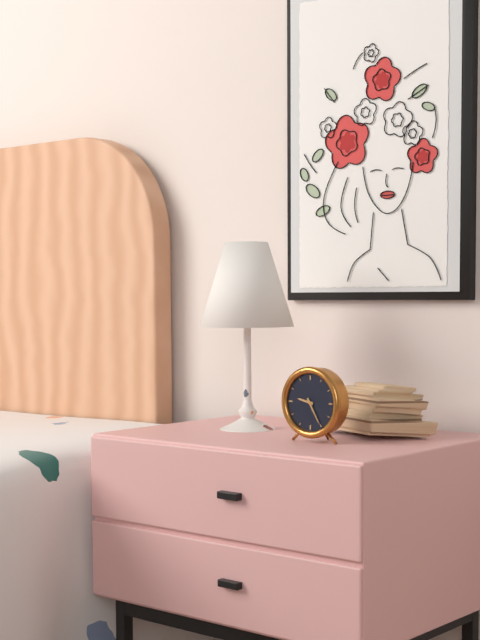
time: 9:25
